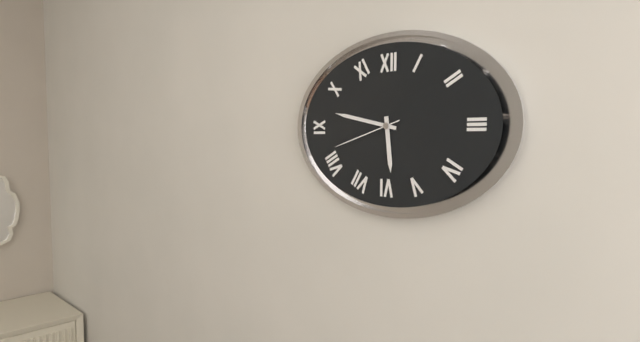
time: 5:47:42
